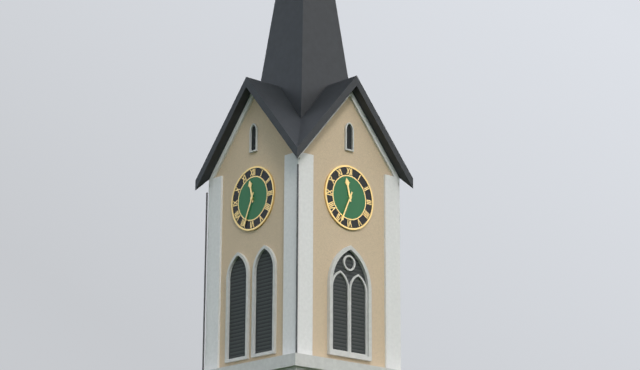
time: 11:34
